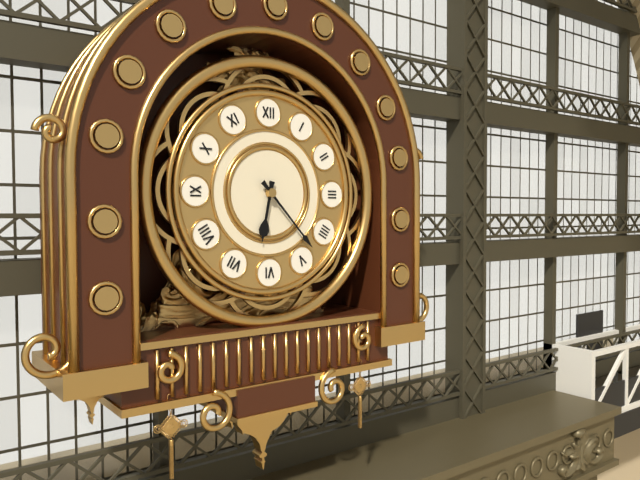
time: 6:23
